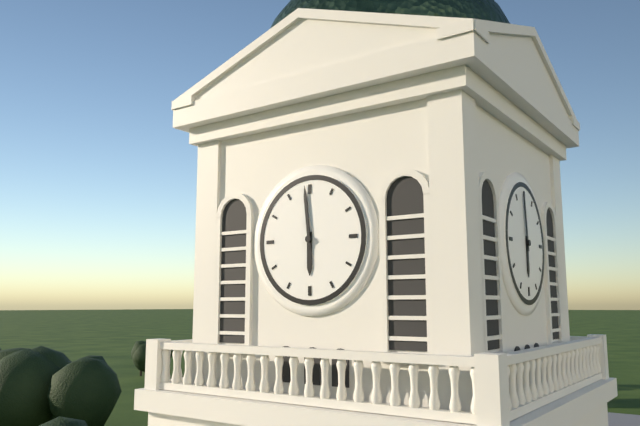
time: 5:59
